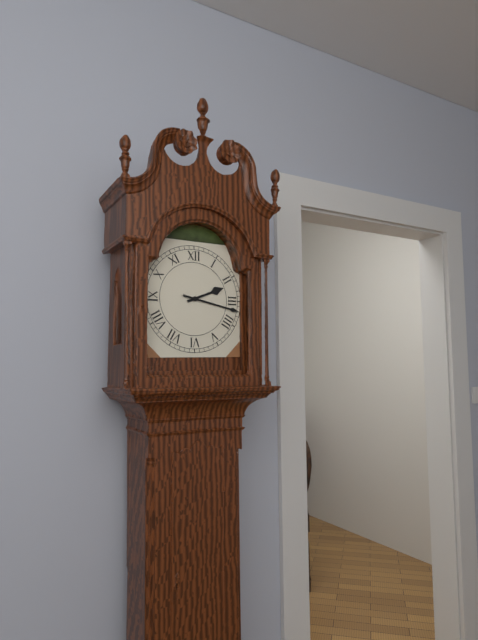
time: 2:17
